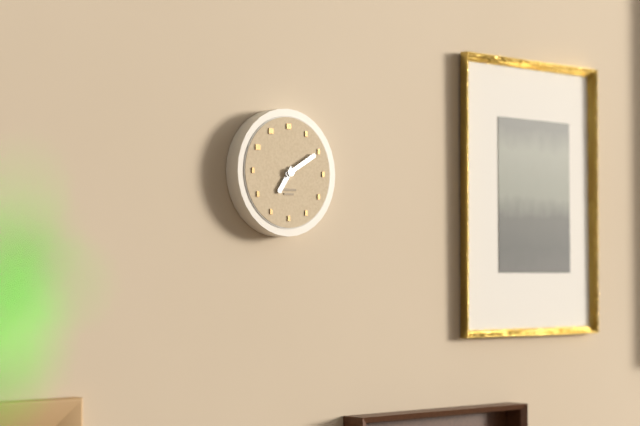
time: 7:10
